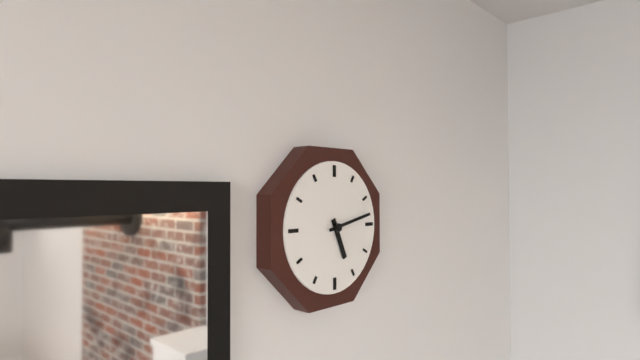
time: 5:13
